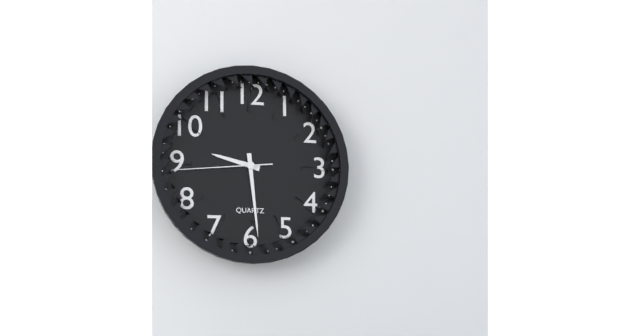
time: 9:29:44
